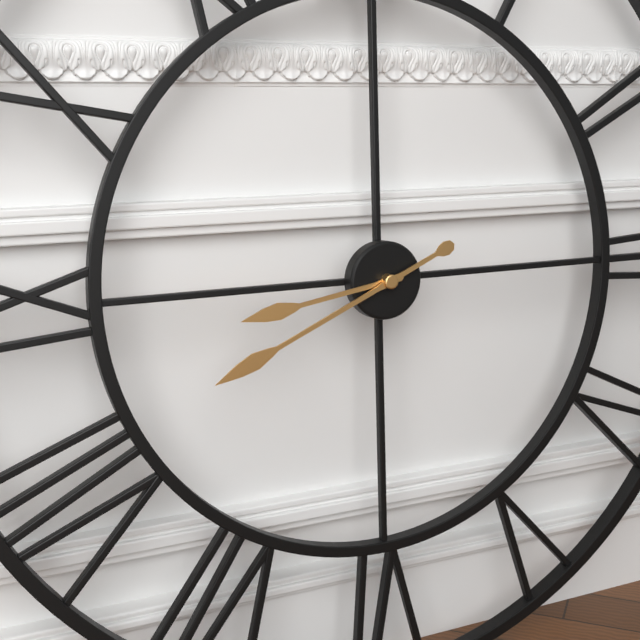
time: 8:41
